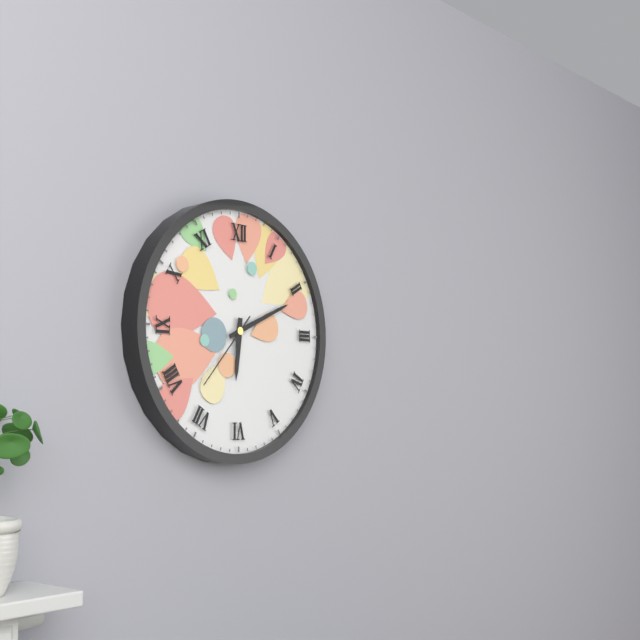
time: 6:11:37
